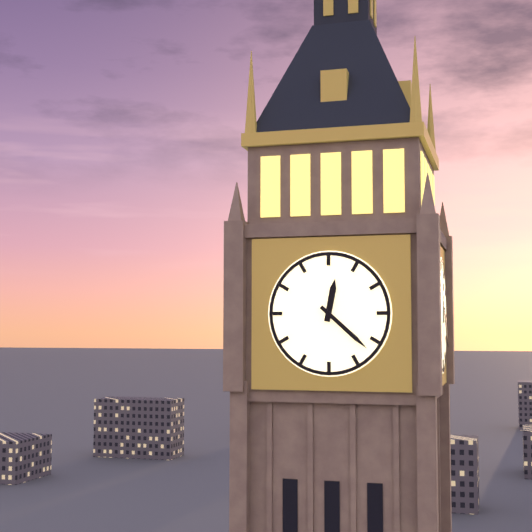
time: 12:22
